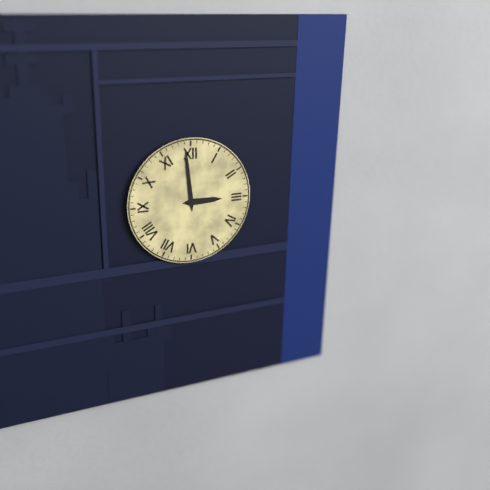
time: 2:59
